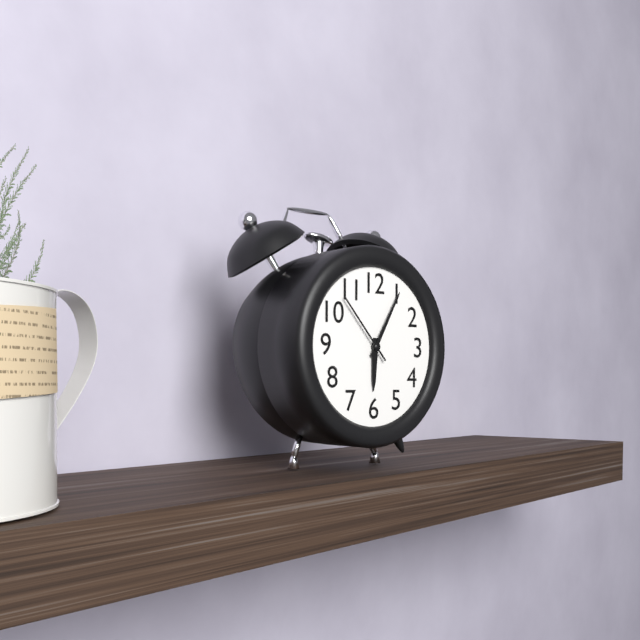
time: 6:05:53
